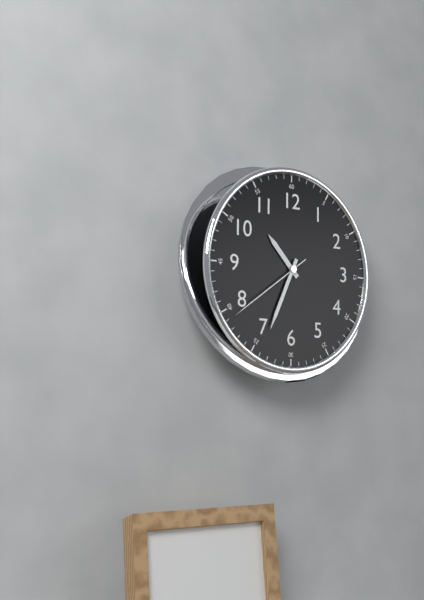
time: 10:34:39
